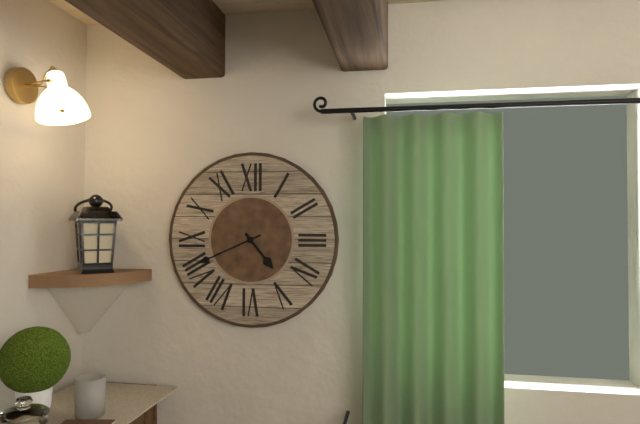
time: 4:41
